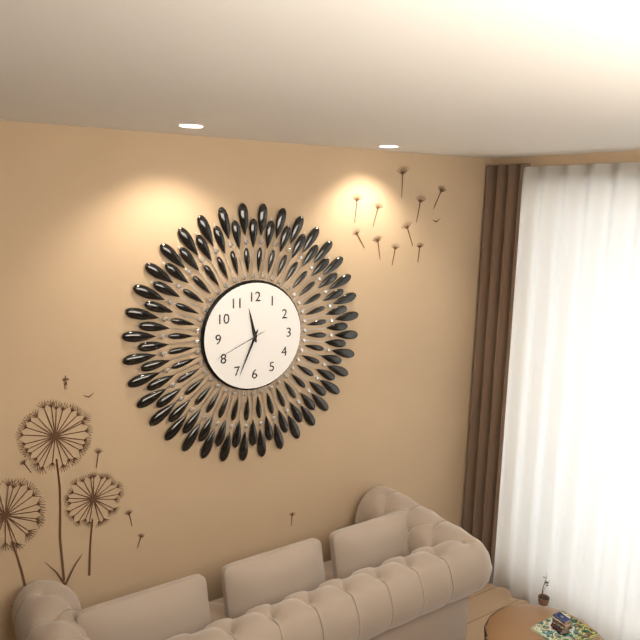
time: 11:34:41
